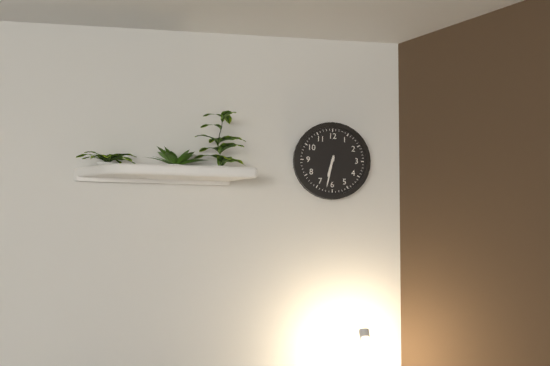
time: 6:32
